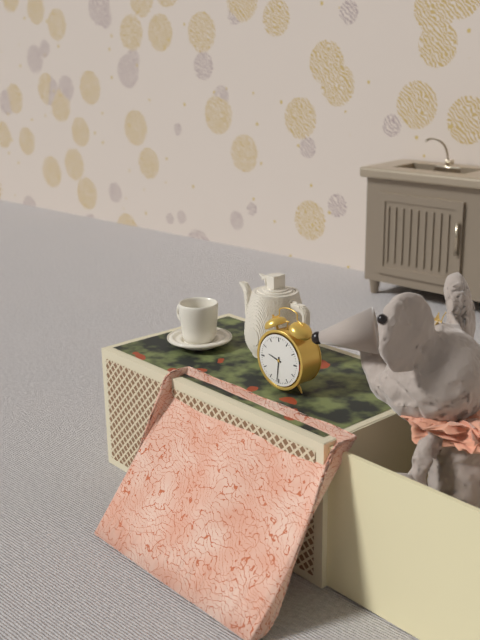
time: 9:31
